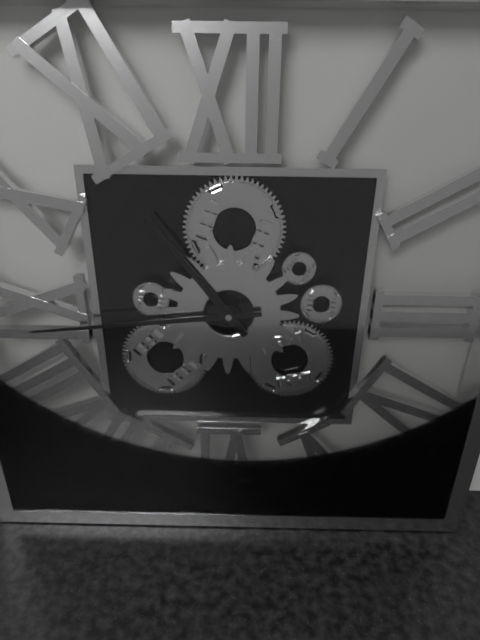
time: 10:44
